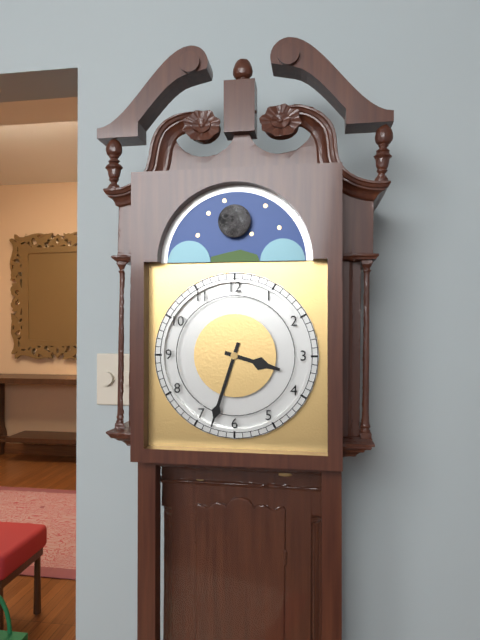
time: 3:33
